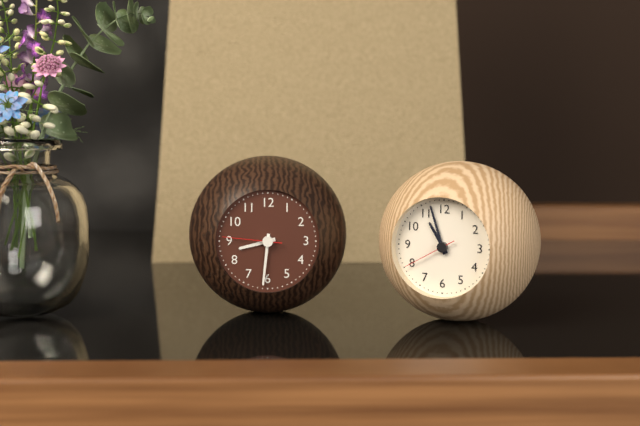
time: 8:31:46
